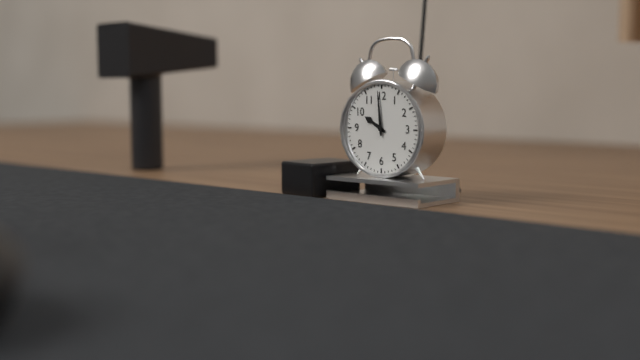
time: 9:59
